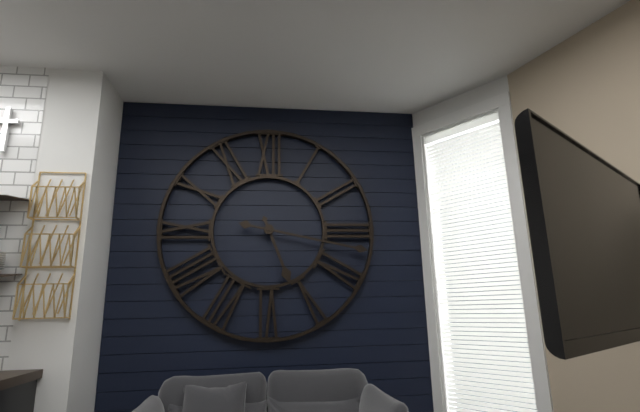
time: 5:17
